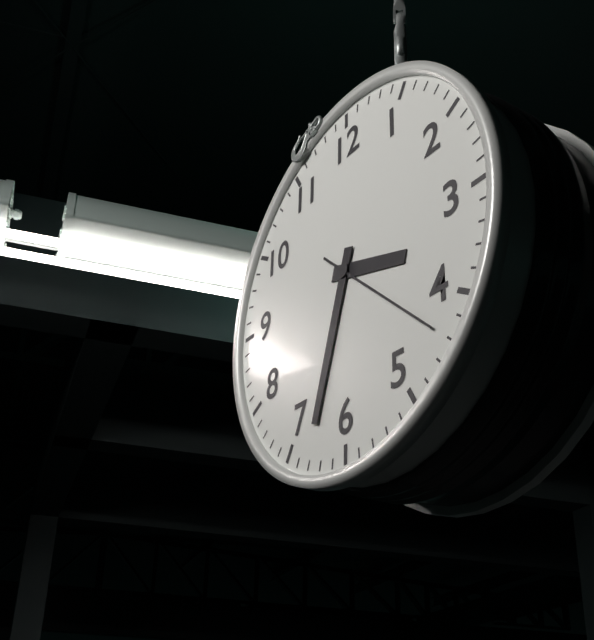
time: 3:33:22
